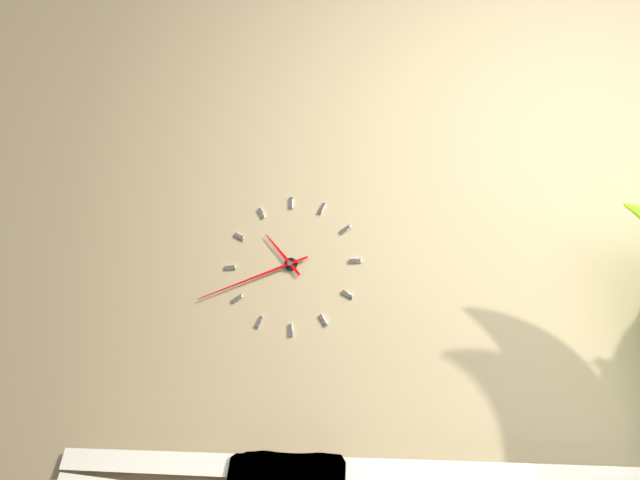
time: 10:42
